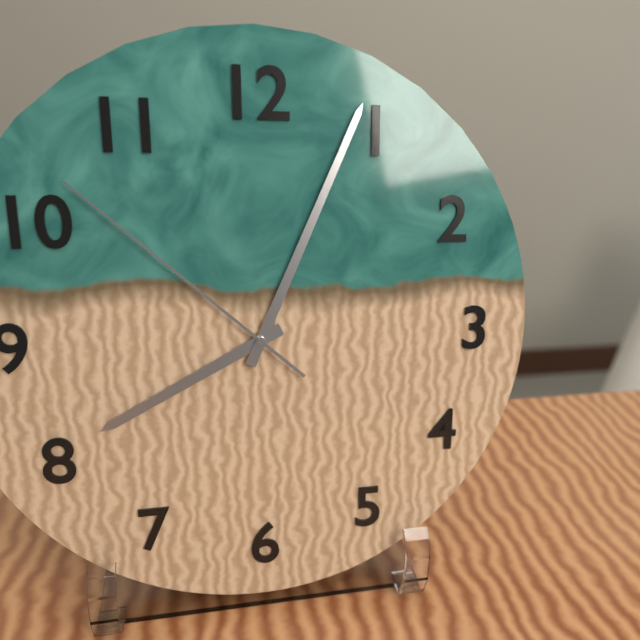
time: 8:04:52
